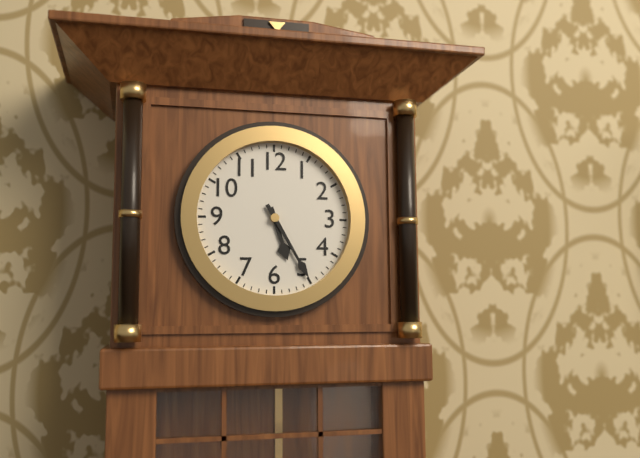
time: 5:25
